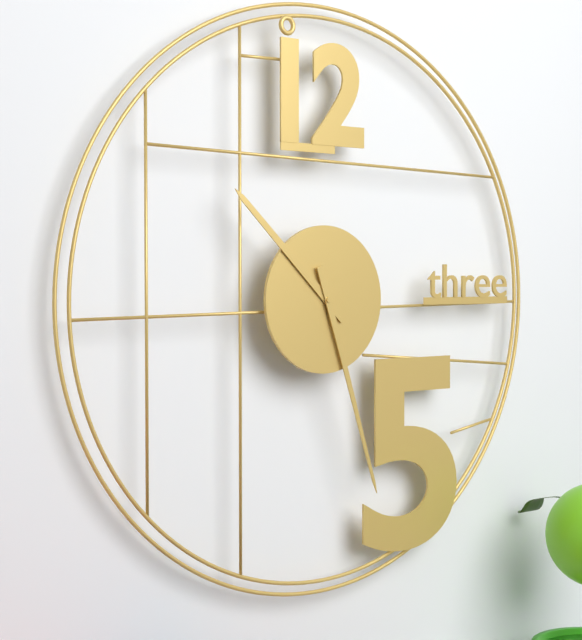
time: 10:27
